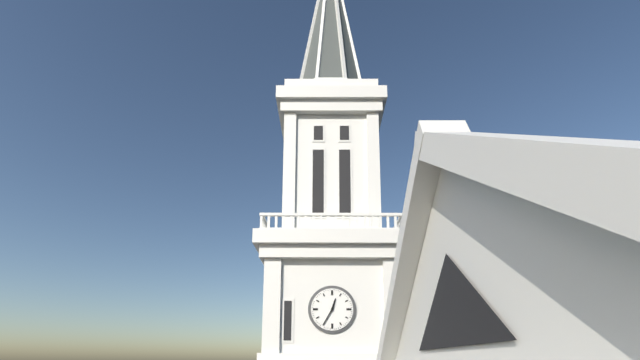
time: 12:35
